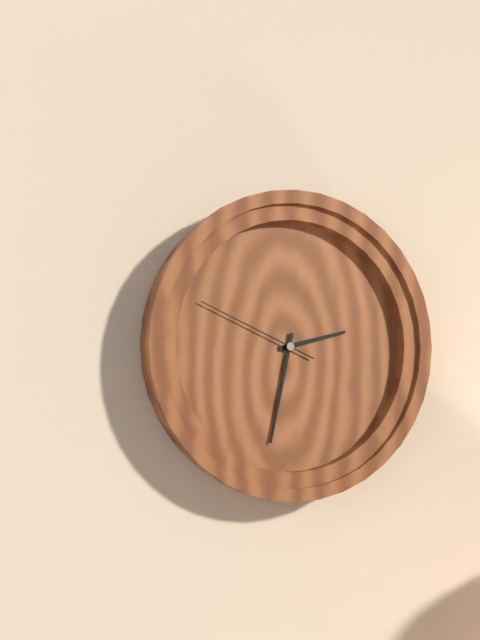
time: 2:32:49
